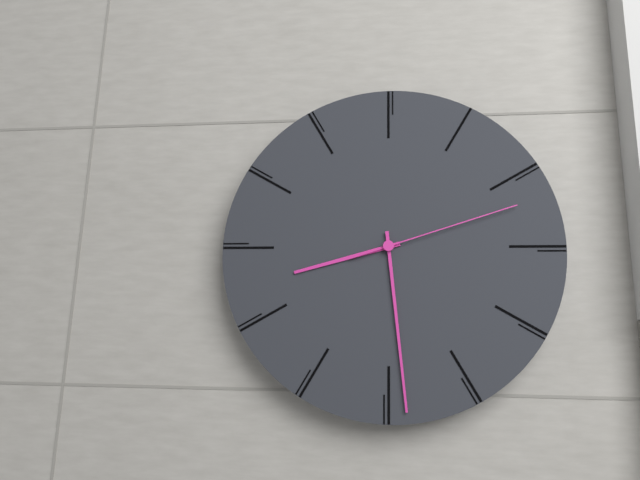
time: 8:29:12
